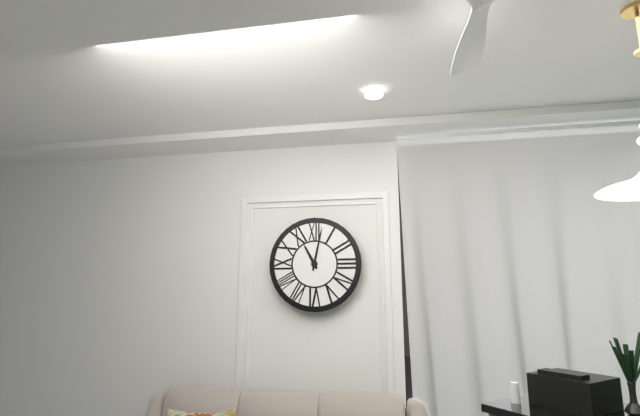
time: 11:02
